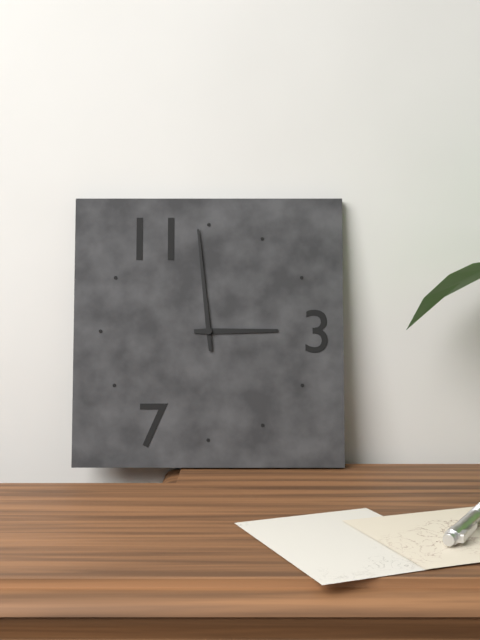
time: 2:59
